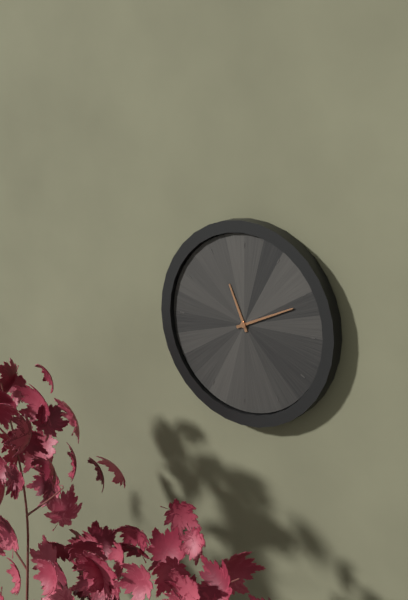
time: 11:11
